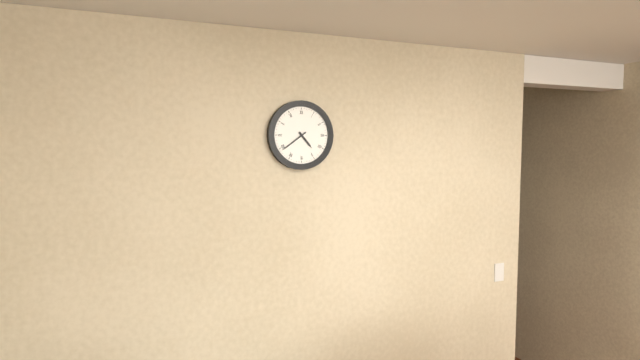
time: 4:39
